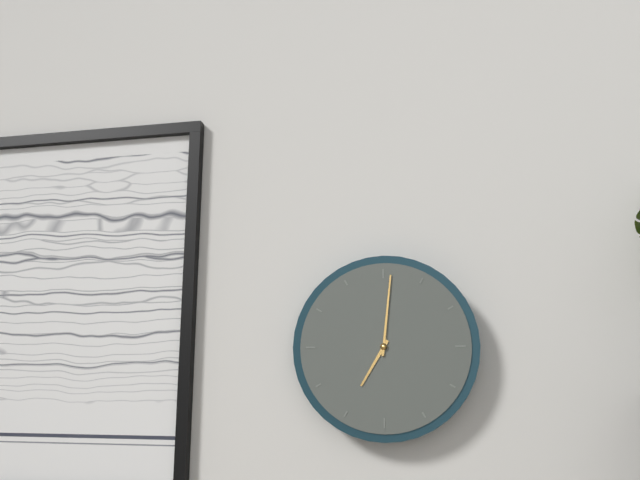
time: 7:01
